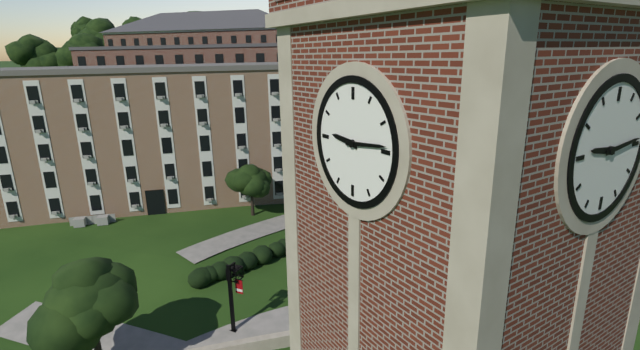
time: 9:14
